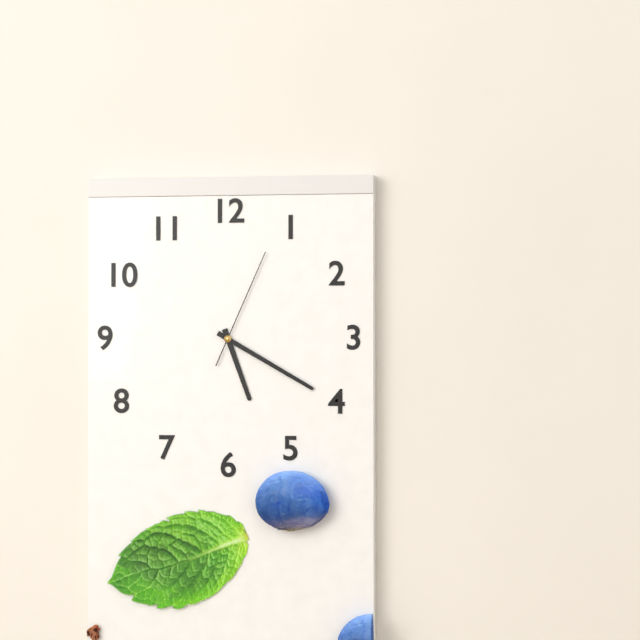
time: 5:20:04
